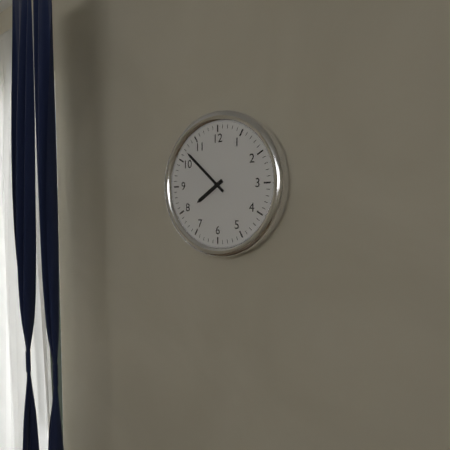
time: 7:52
